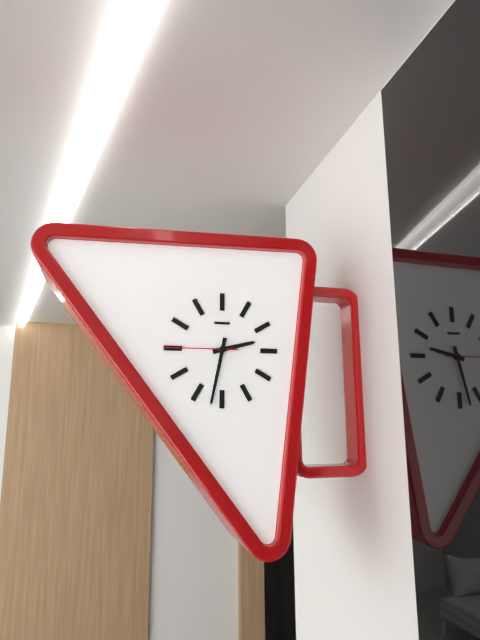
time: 2:32:45
